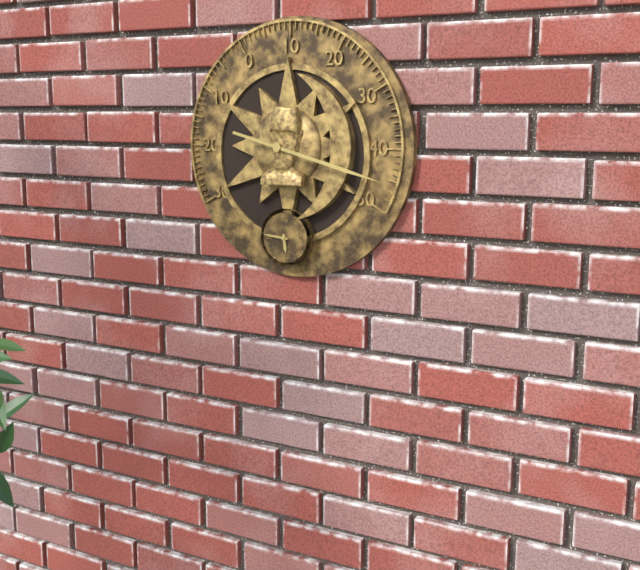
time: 5:46
